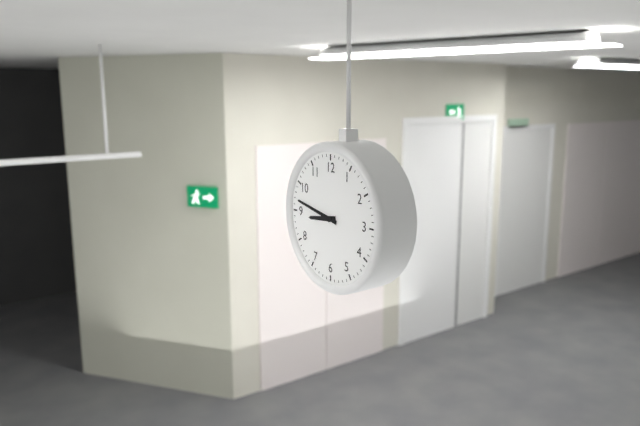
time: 8:47
